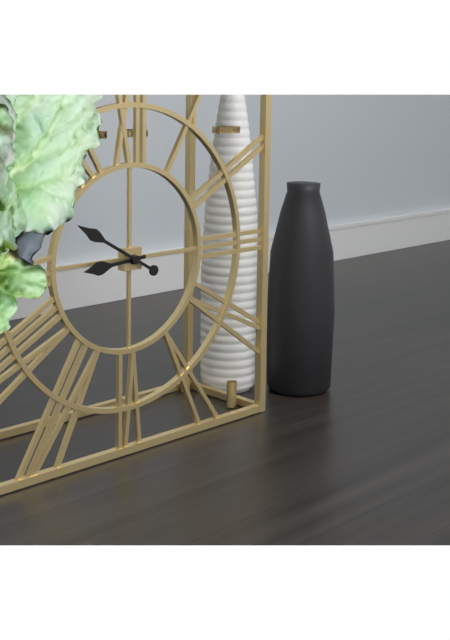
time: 8:50
